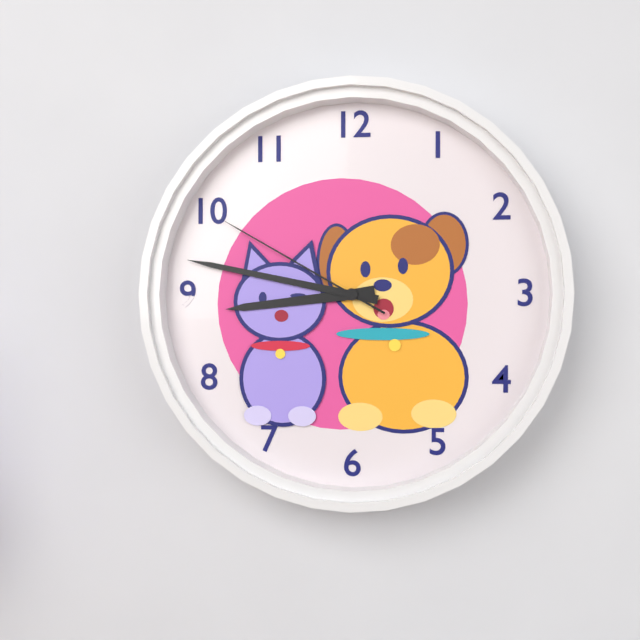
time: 8:47:50
